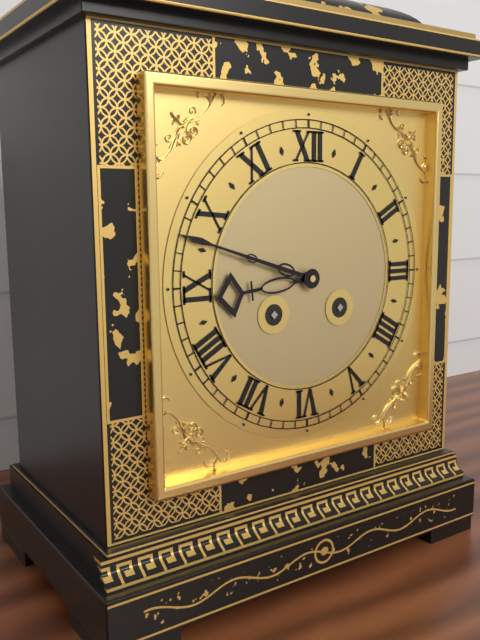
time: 8:48
